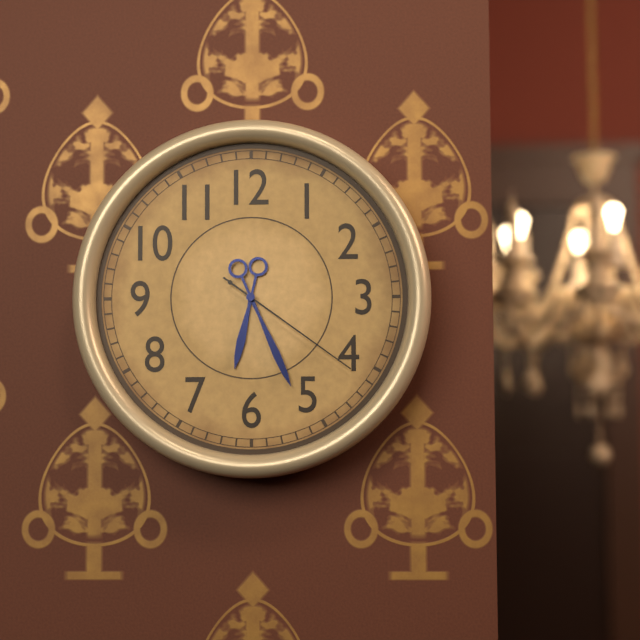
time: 6:26:21
